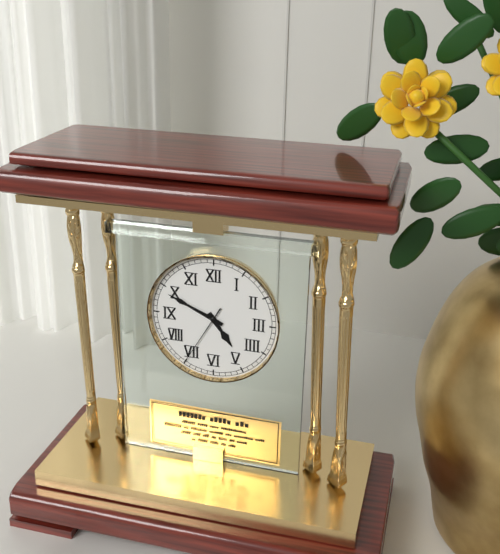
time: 4:49:35
